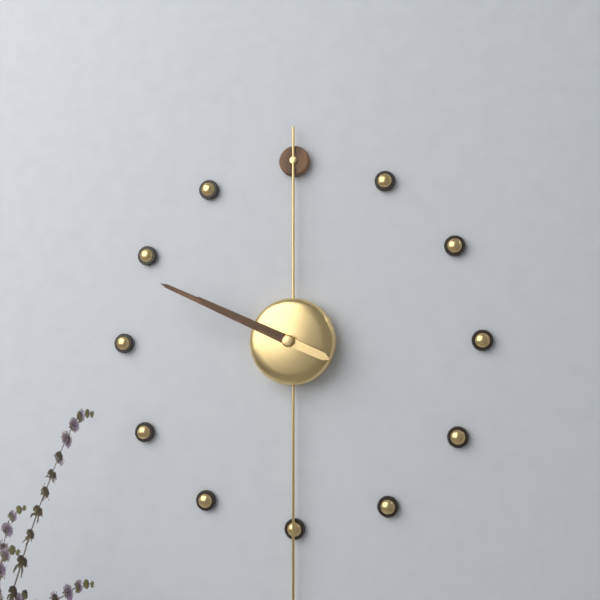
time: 9:49
